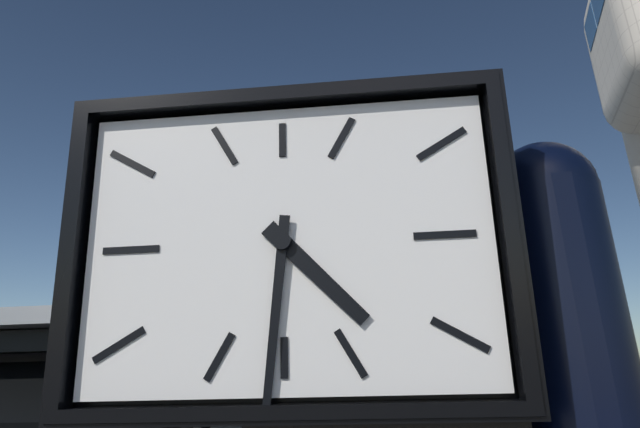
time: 4:31
